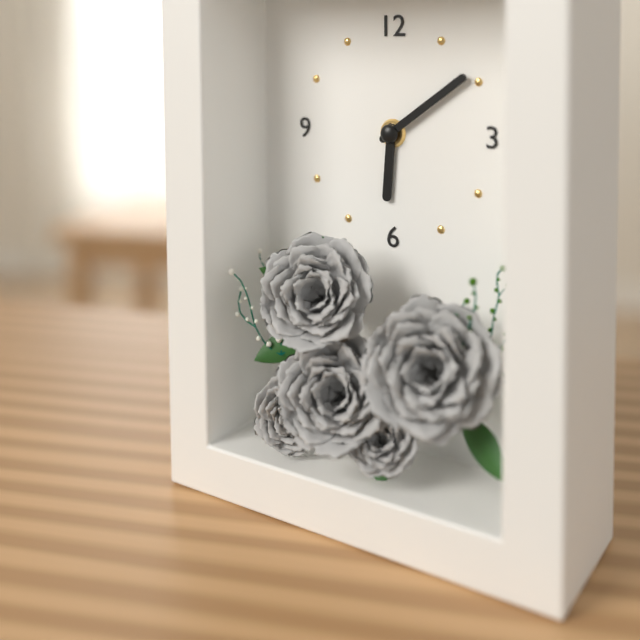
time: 6:09
